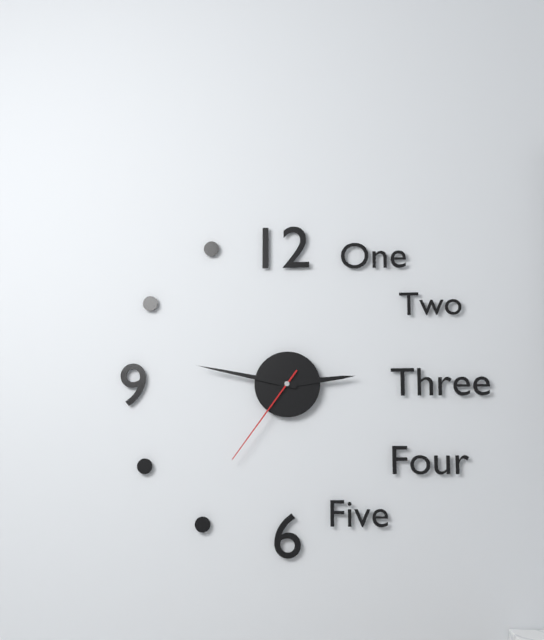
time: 2:47:36
